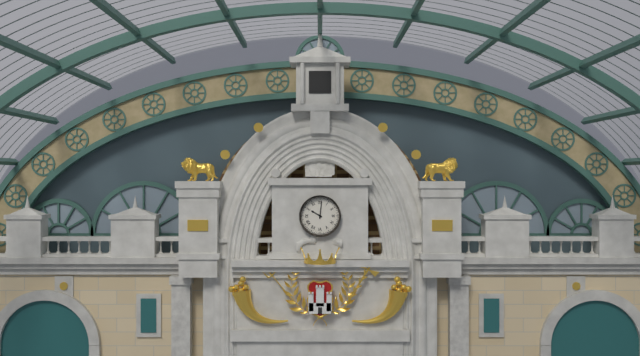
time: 10:01
